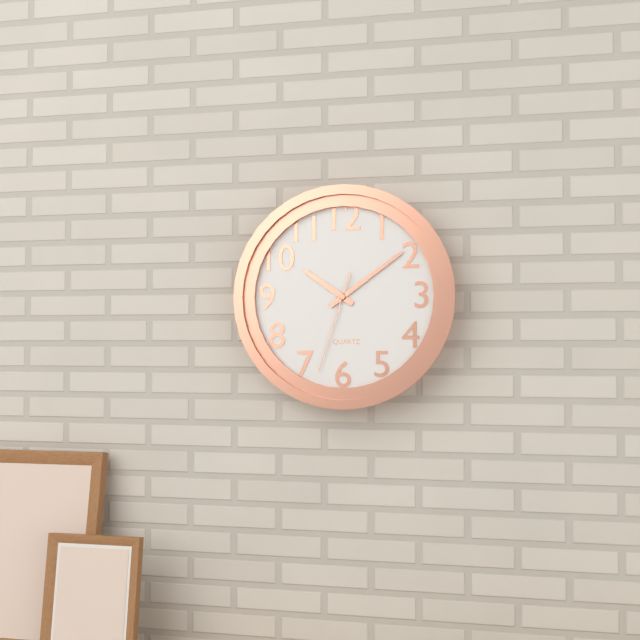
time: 10:09:33
